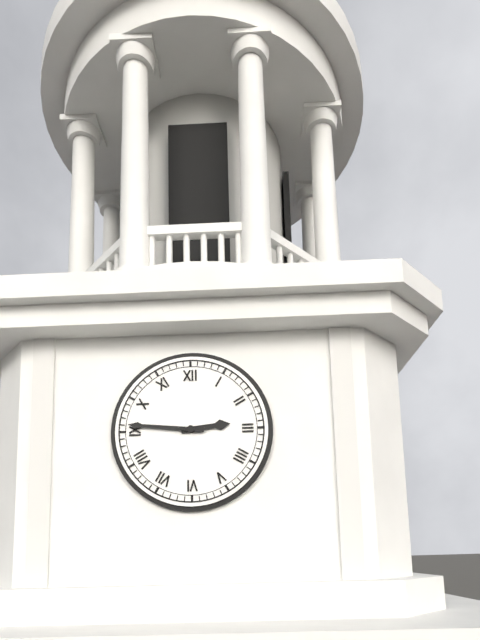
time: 2:46
